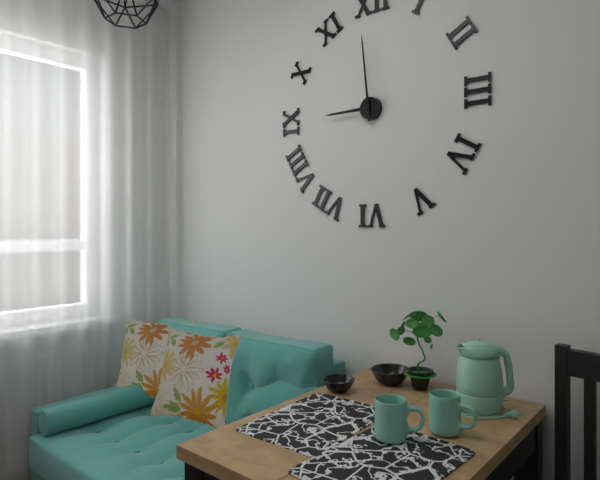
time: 8:59
